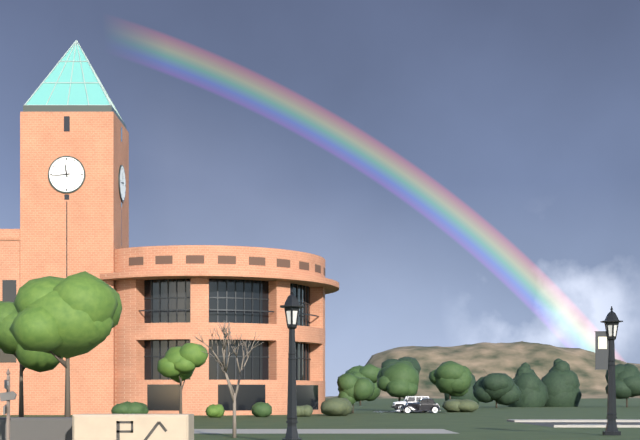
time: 11:44
